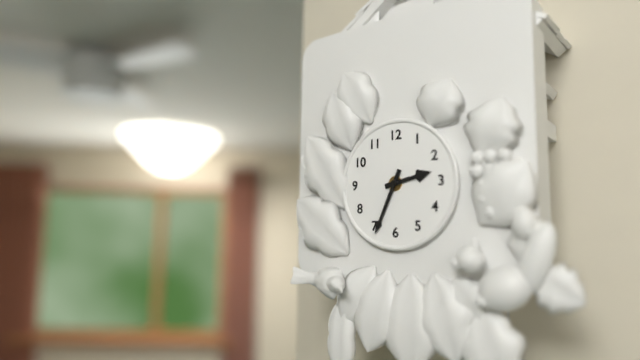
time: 2:34
